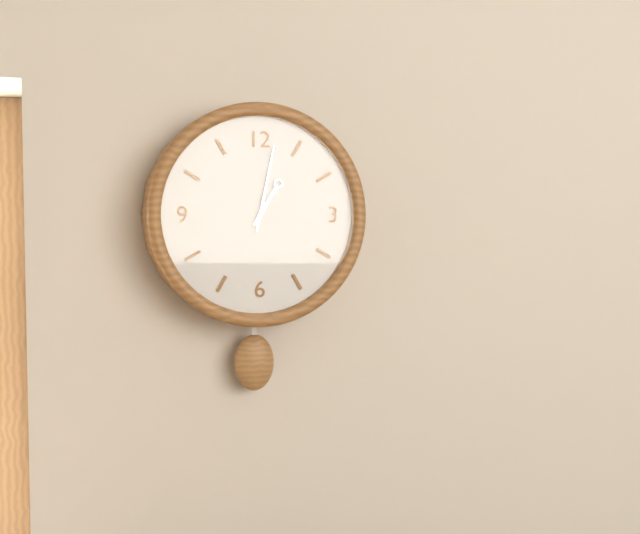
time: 1:02
